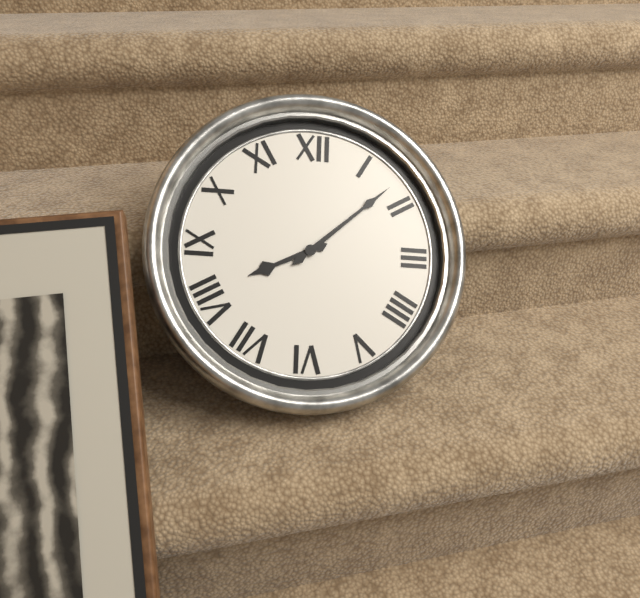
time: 8:08
